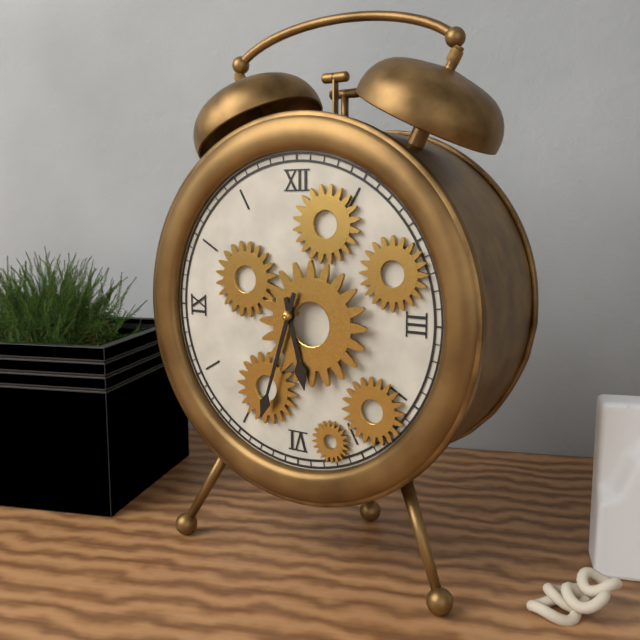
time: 5:33
